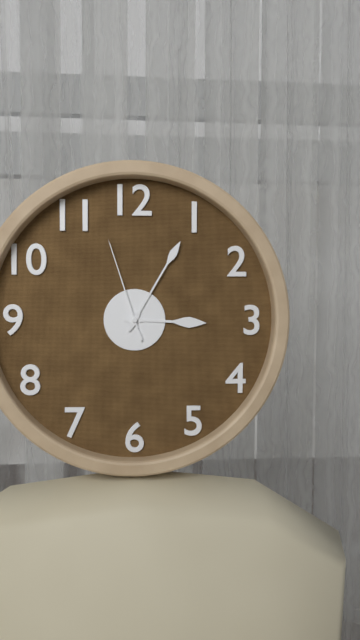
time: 3:05:57
